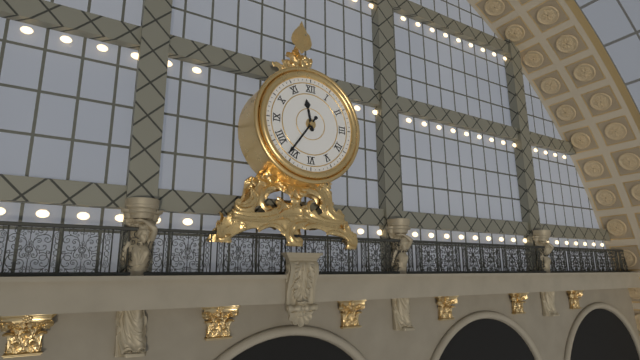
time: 11:36
